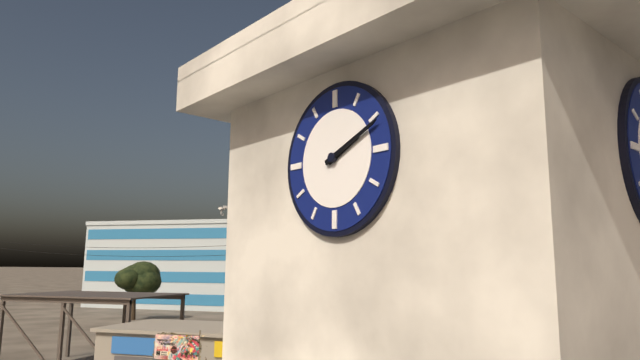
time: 2:11
